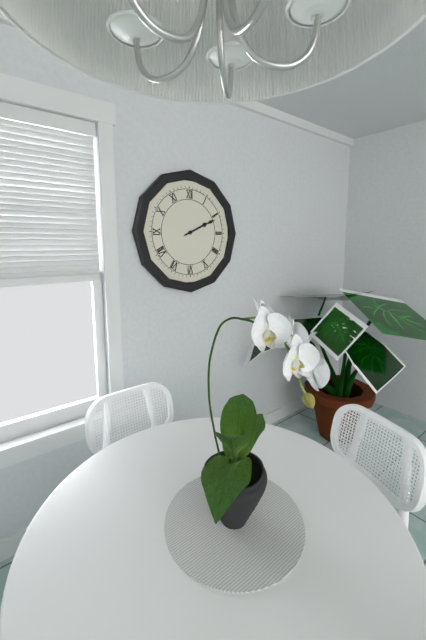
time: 2:11
